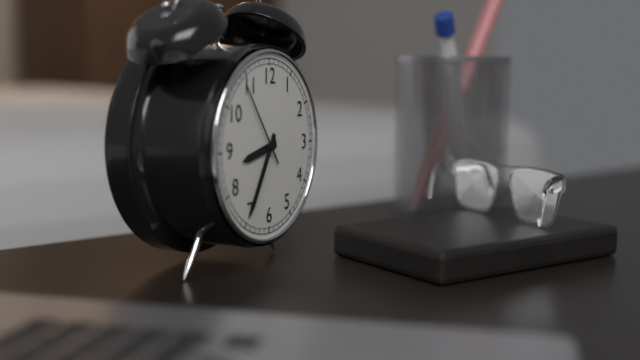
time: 8:35:54
